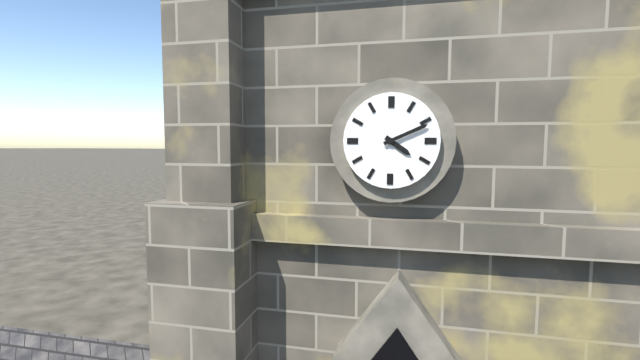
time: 4:11
